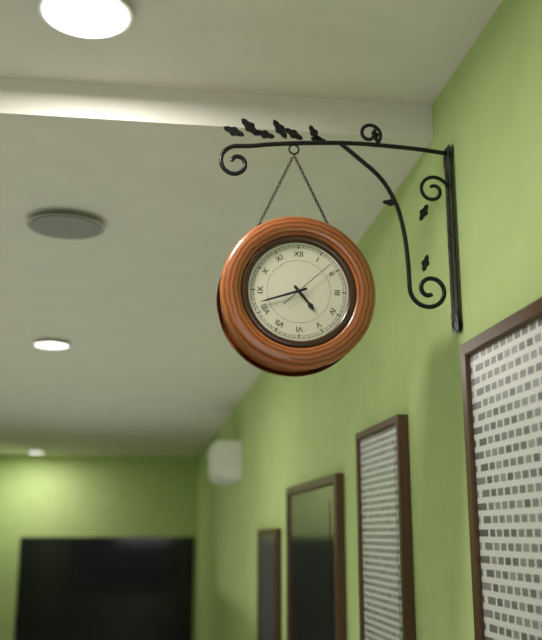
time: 4:42:08
